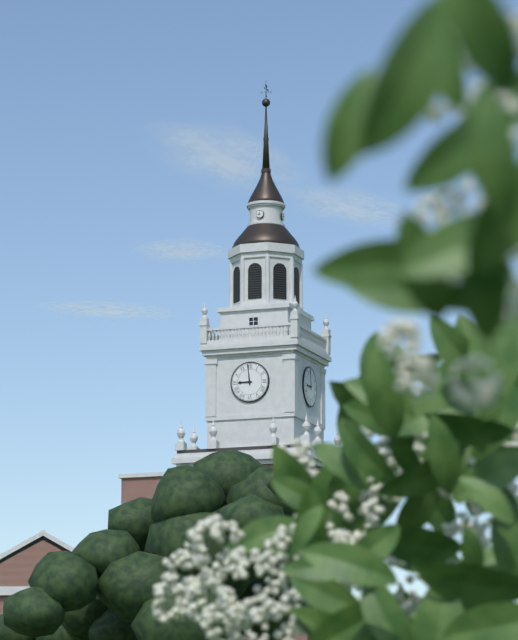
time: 8:59
